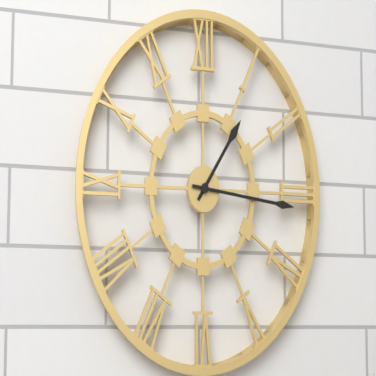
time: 1:16
